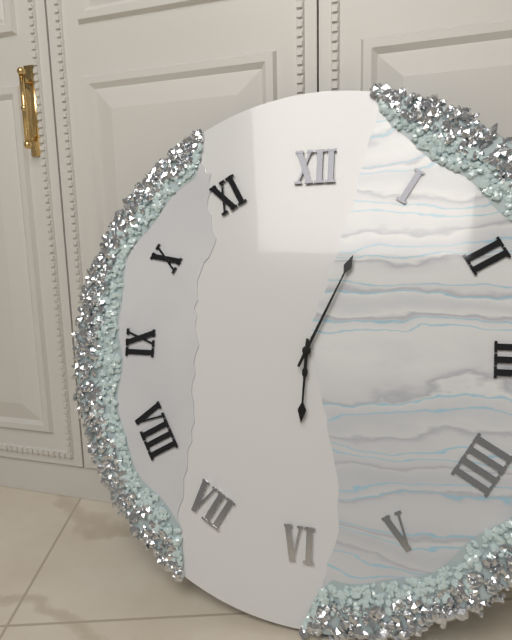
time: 6:04
